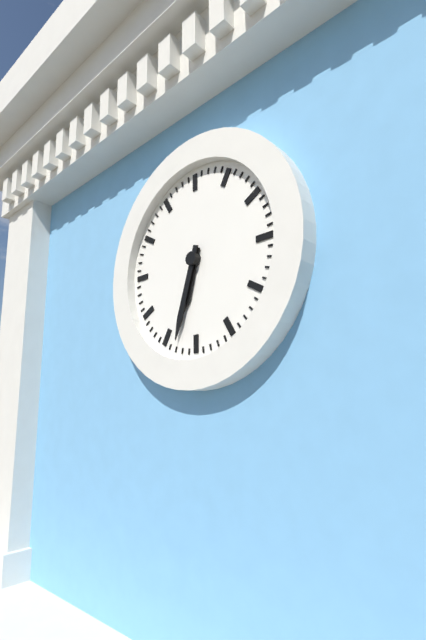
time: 6:33
